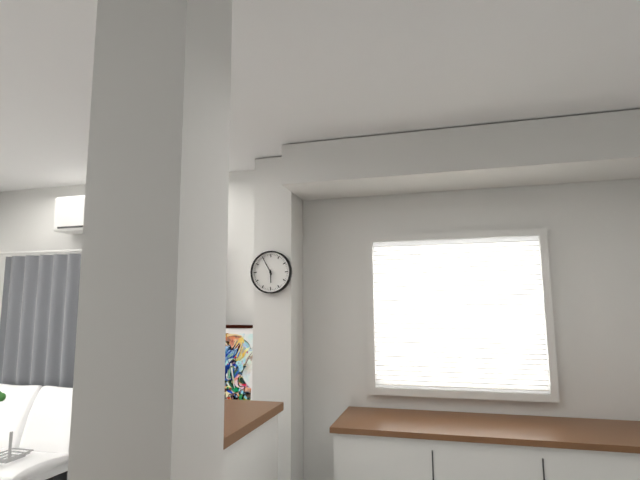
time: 5:55
